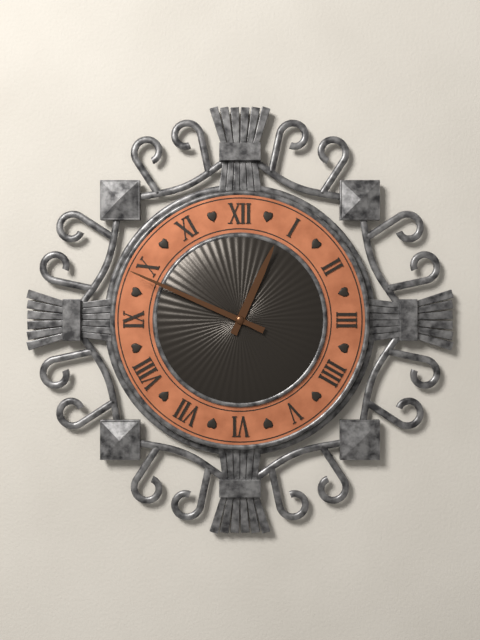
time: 12:49
